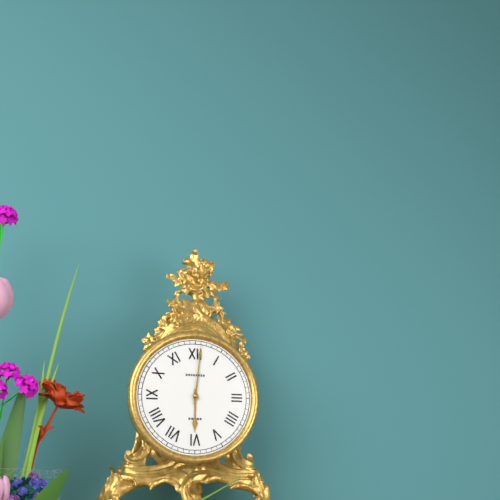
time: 6:01
